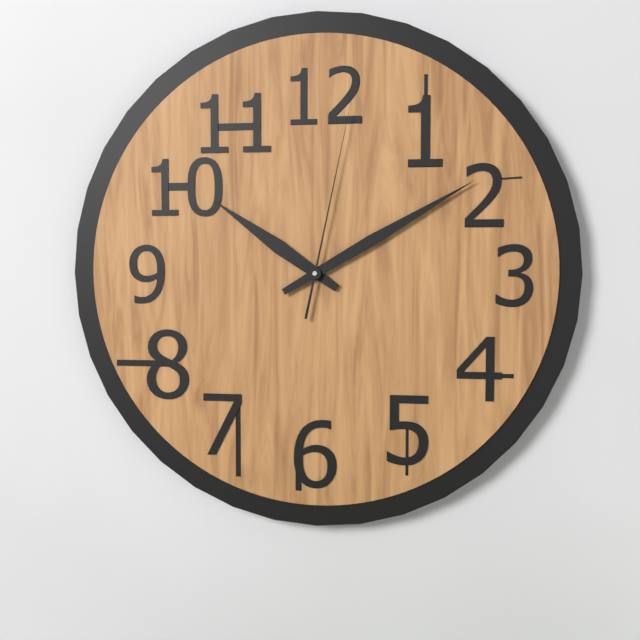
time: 10:10:02
